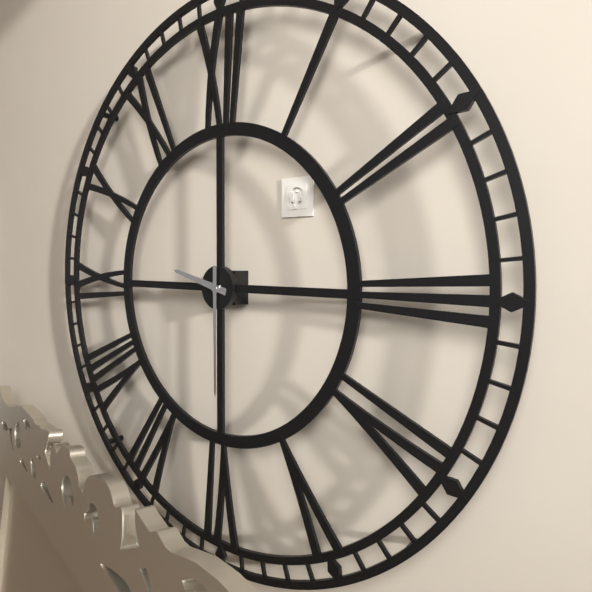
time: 9:30
